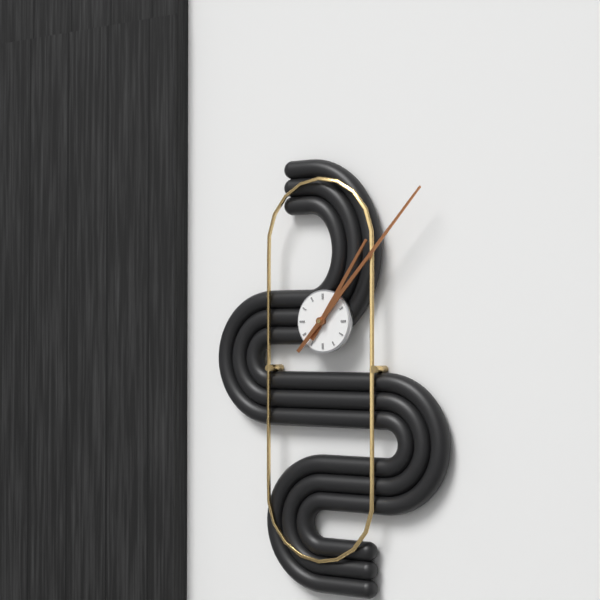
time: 1:07
